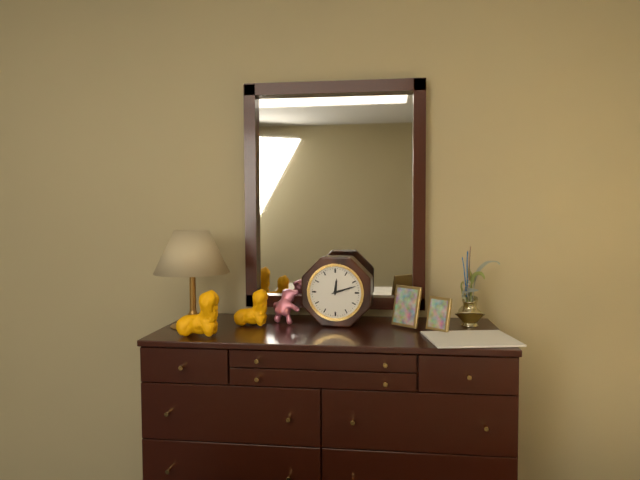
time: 12:12
